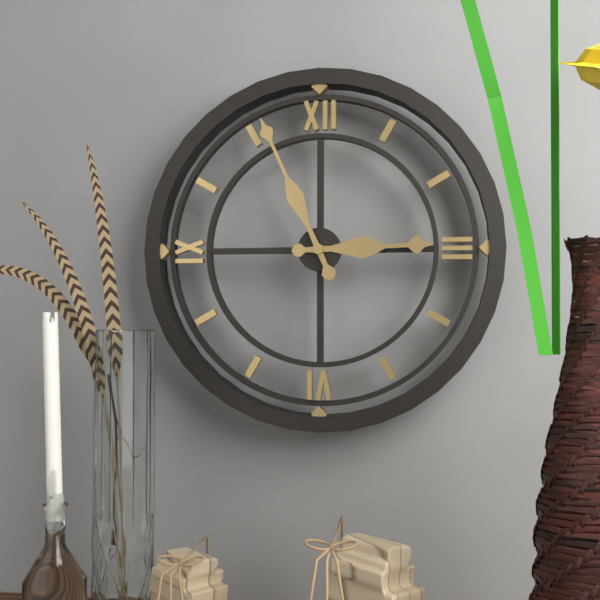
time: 2:56
